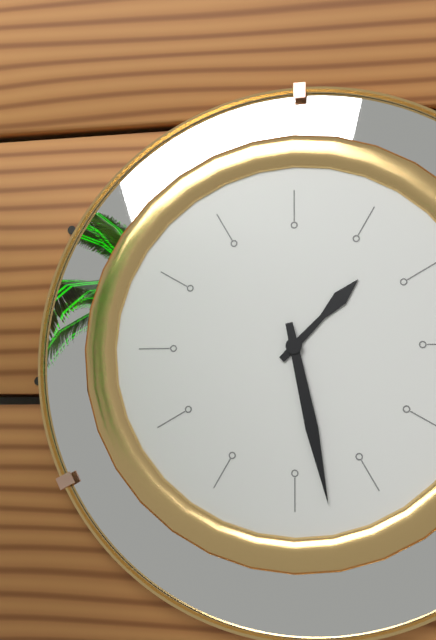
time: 1:28
